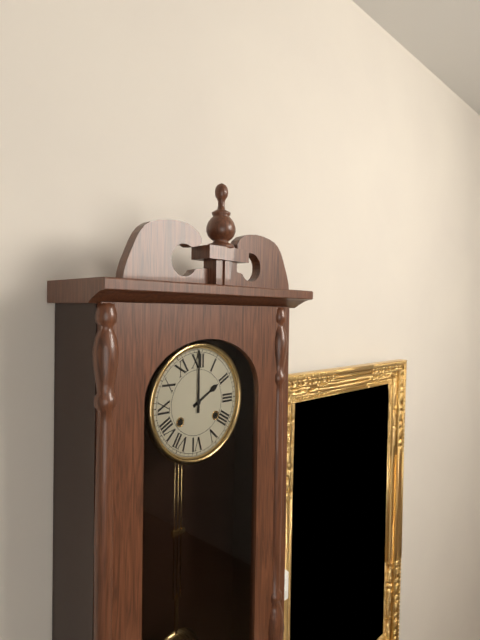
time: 2:00
